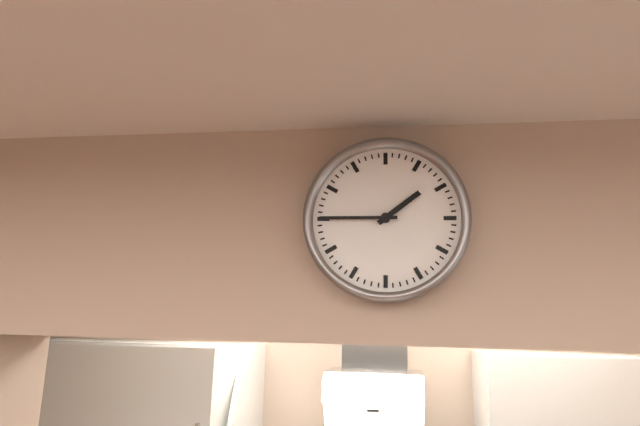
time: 1:45
